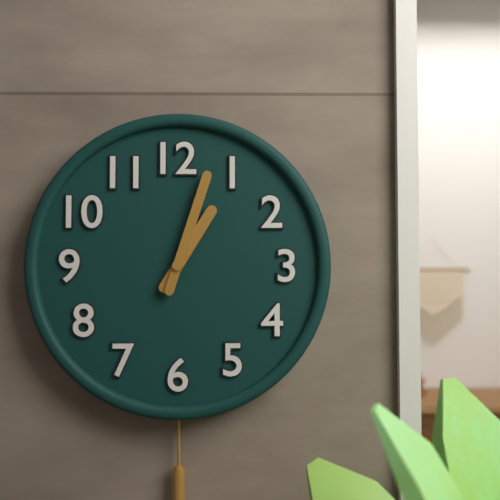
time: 1:03
